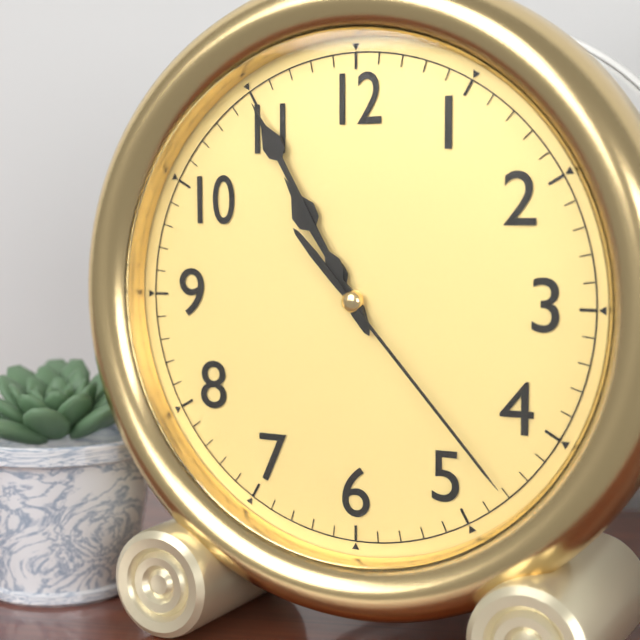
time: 10:55:23
